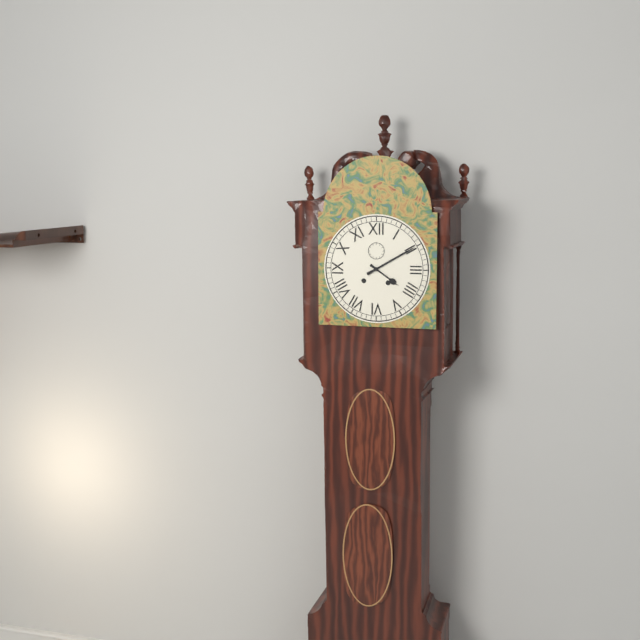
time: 4:10
